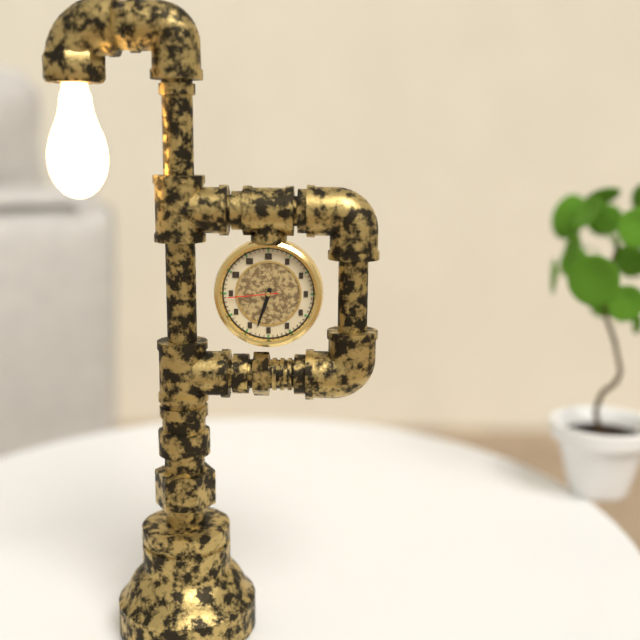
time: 6:33:44
